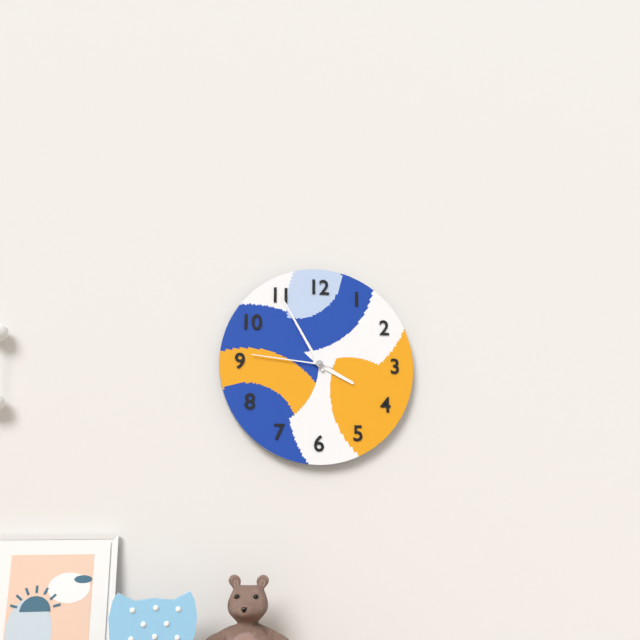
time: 3:55:46
